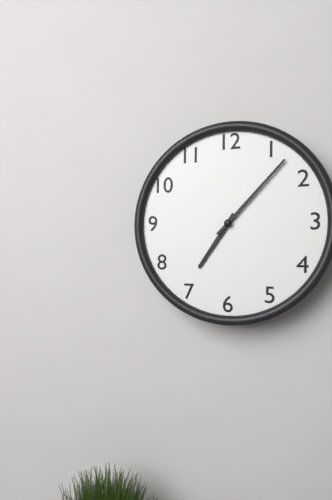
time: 7:07
